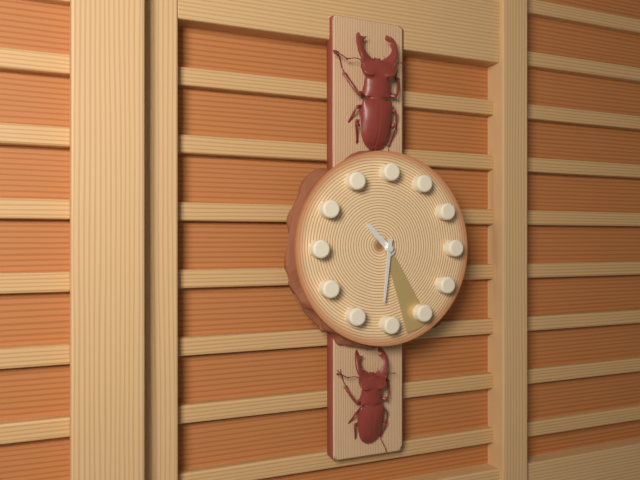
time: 10:31:26
